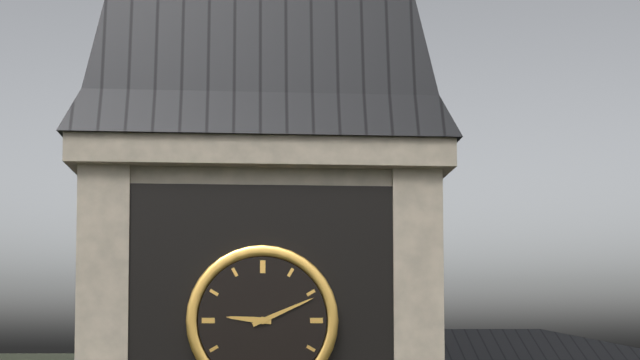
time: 9:11
